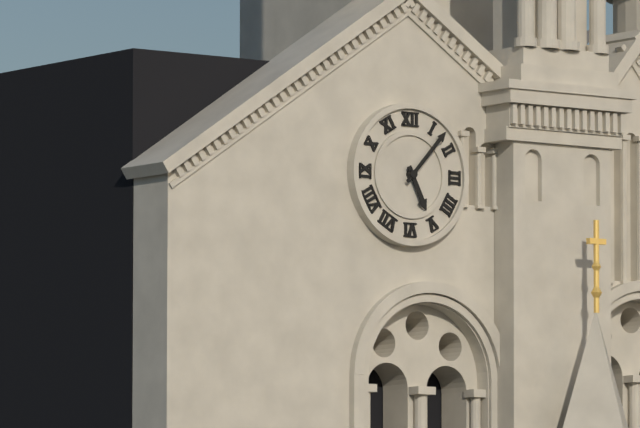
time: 5:07
